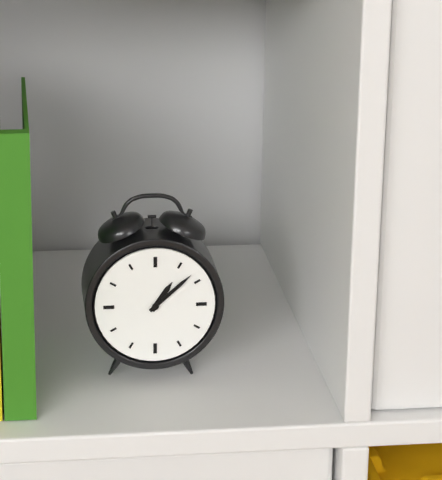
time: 1:08
